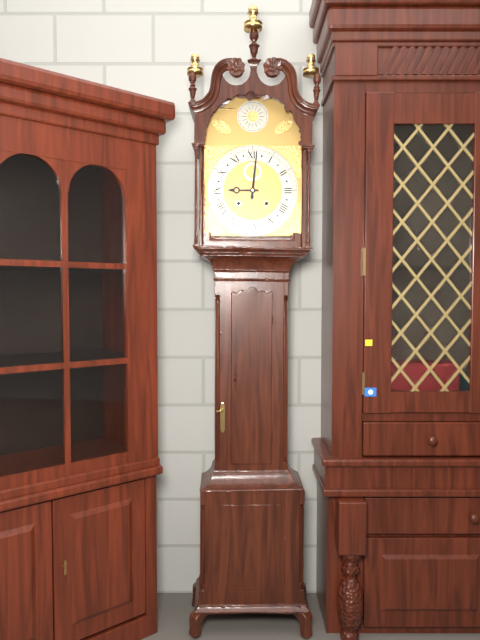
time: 9:01
